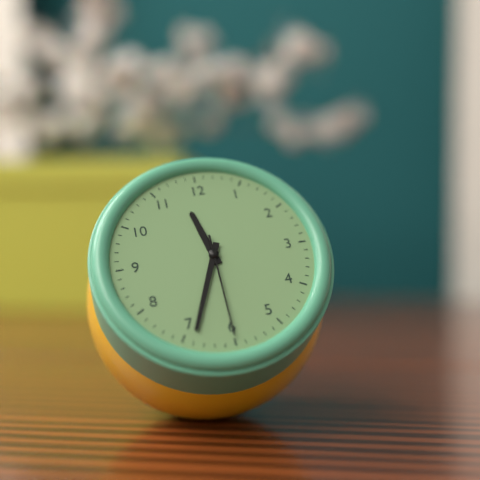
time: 11:34:30
